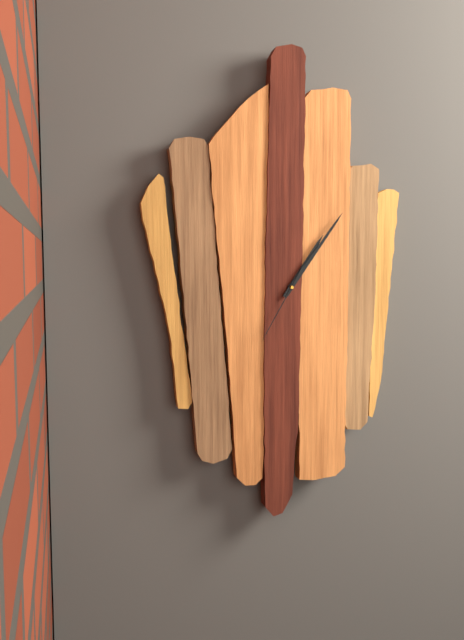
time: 1:06:35
